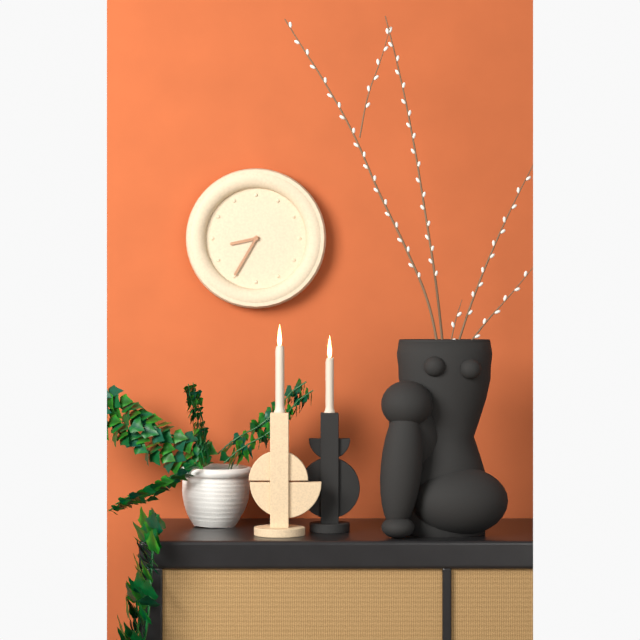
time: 8:35
